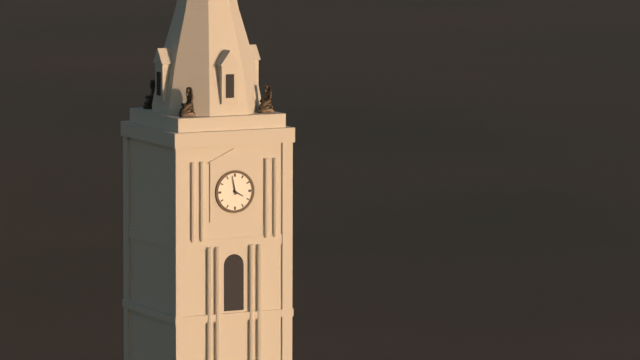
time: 3:58
